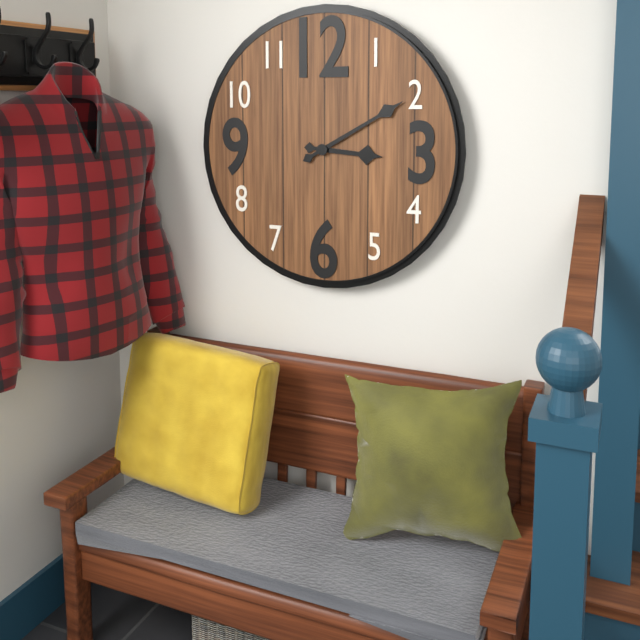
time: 3:10
